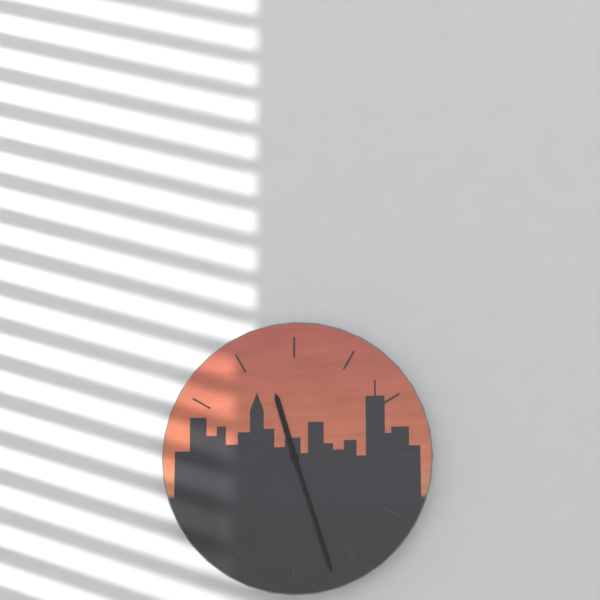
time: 11:27
